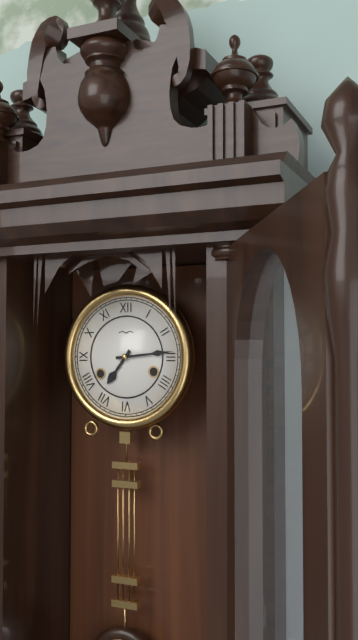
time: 7:14
